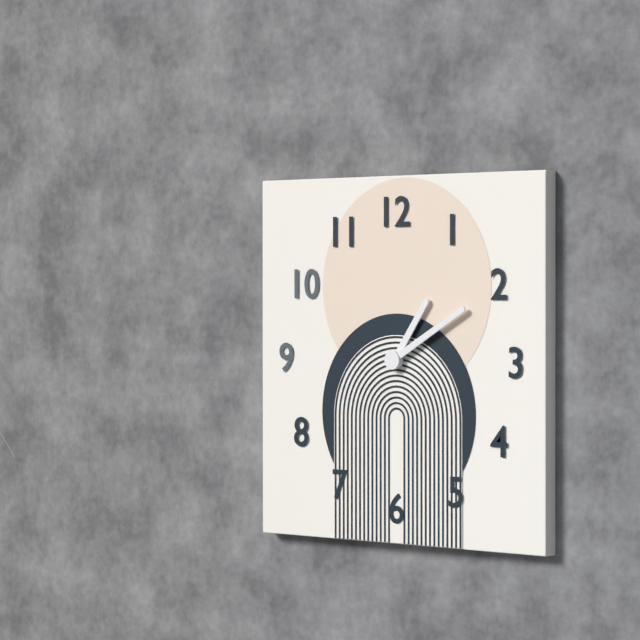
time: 1:10
